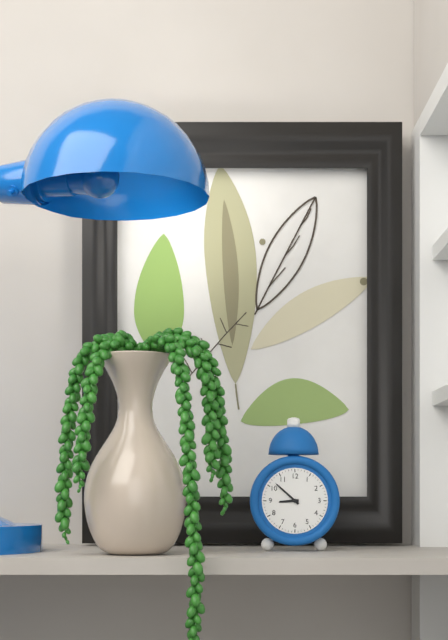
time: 8:52
